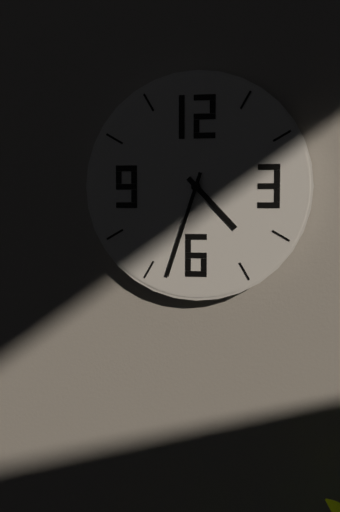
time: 4:33
